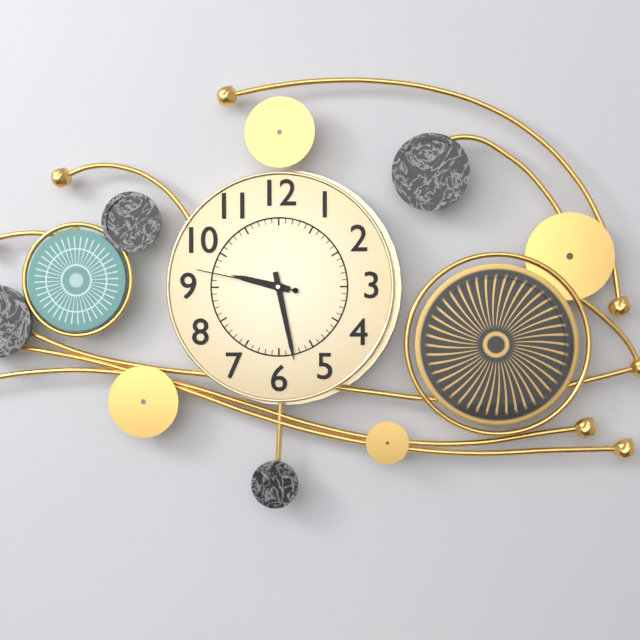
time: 9:28:47
